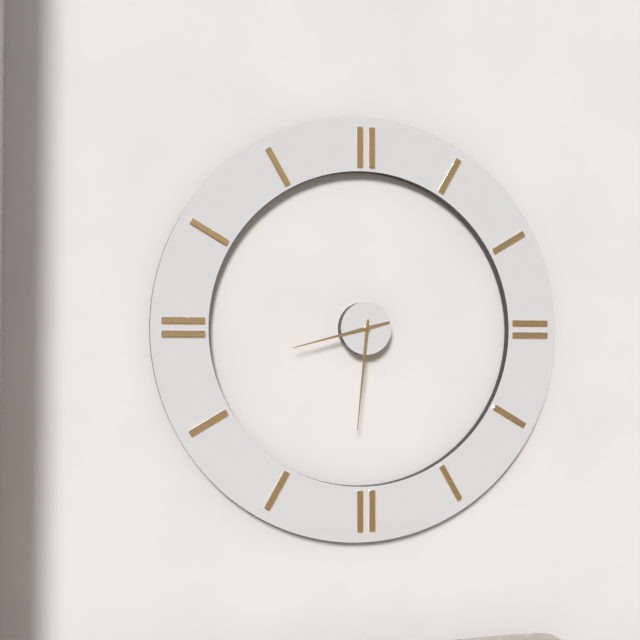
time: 8:31
